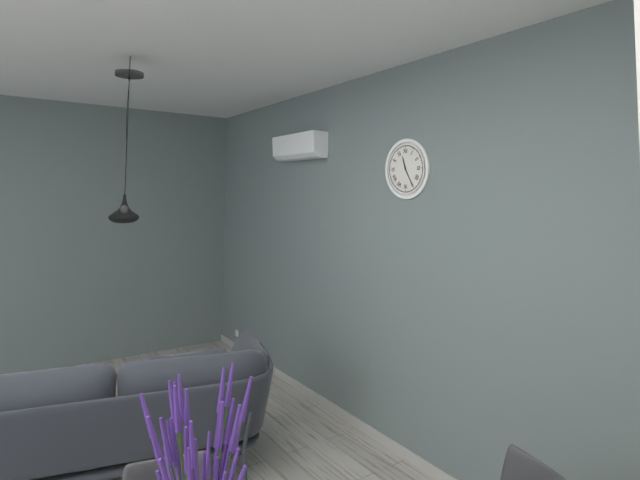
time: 11:25
